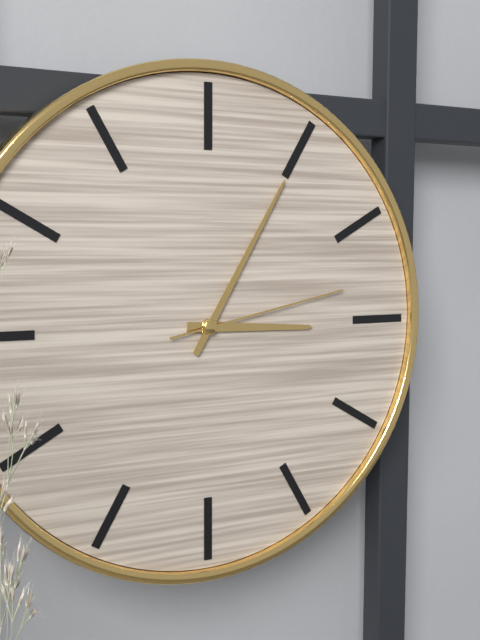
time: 3:05:13
